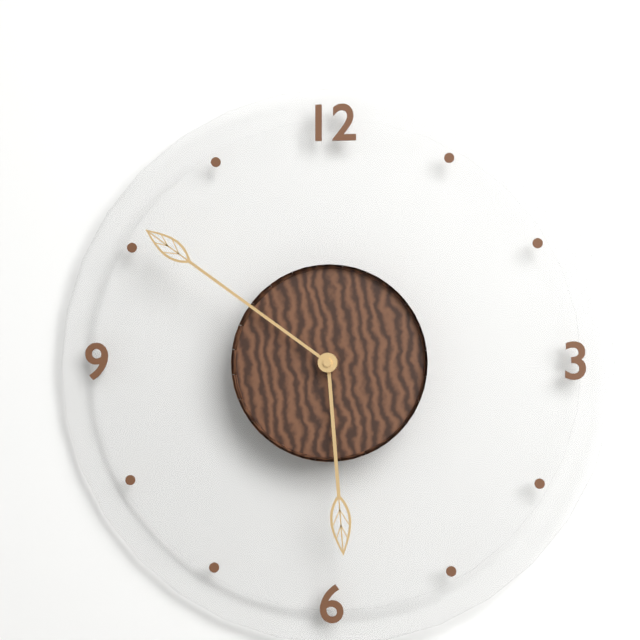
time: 5:51
